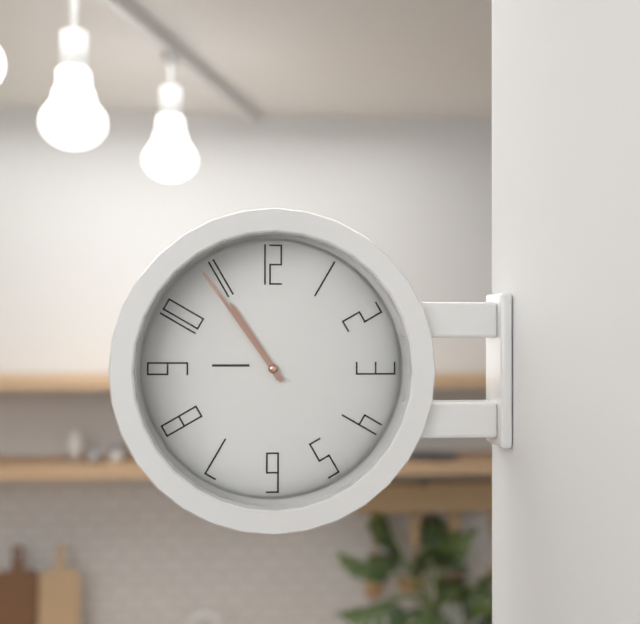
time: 10:54
